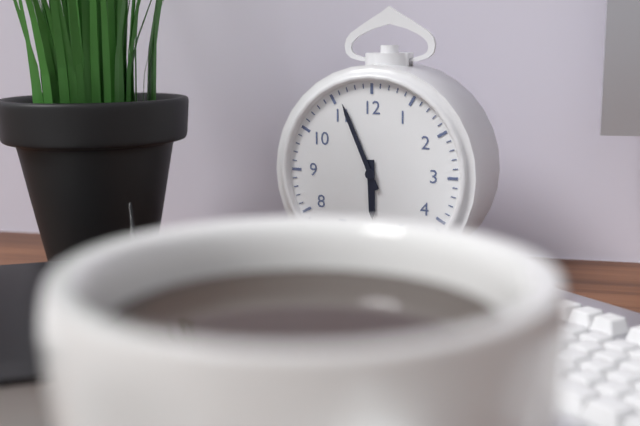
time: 5:56
